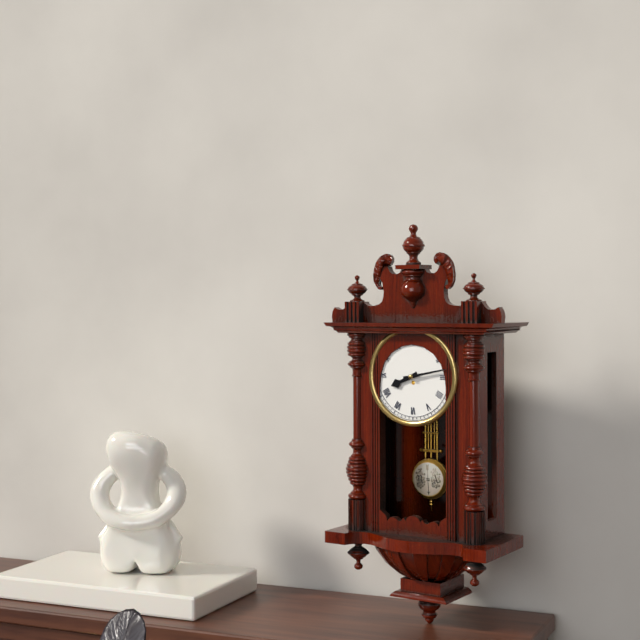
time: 8:13
